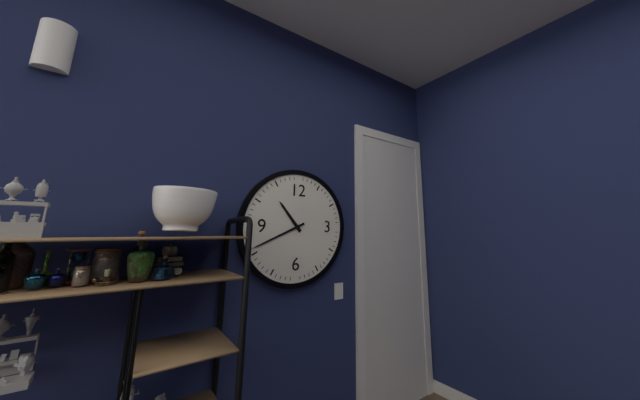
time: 10:41
